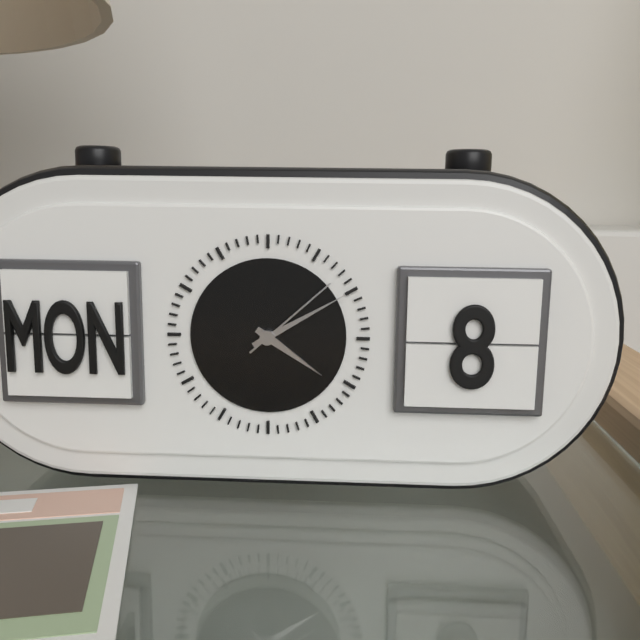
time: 4:10:08
